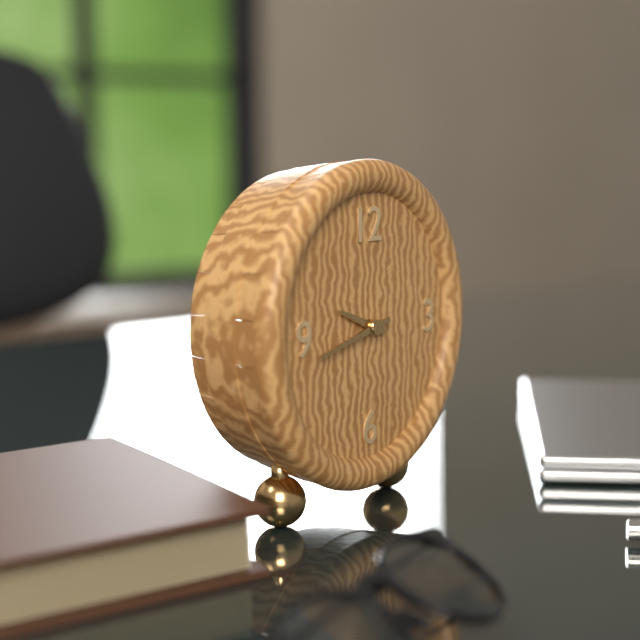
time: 9:43
